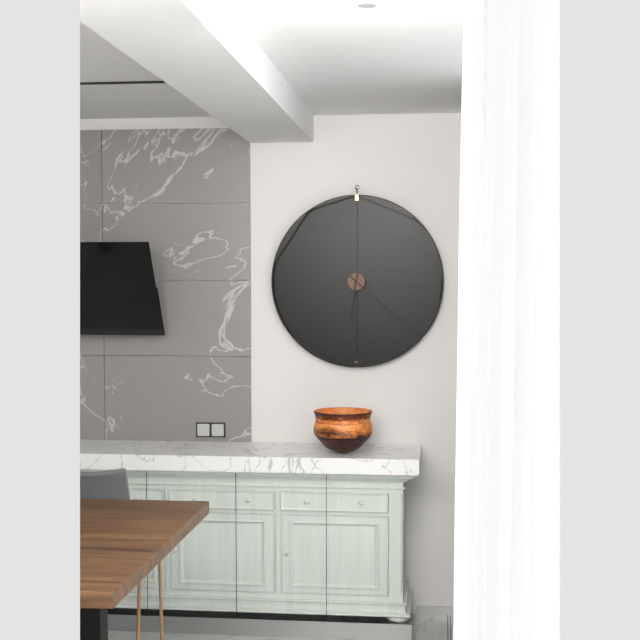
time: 6:22
